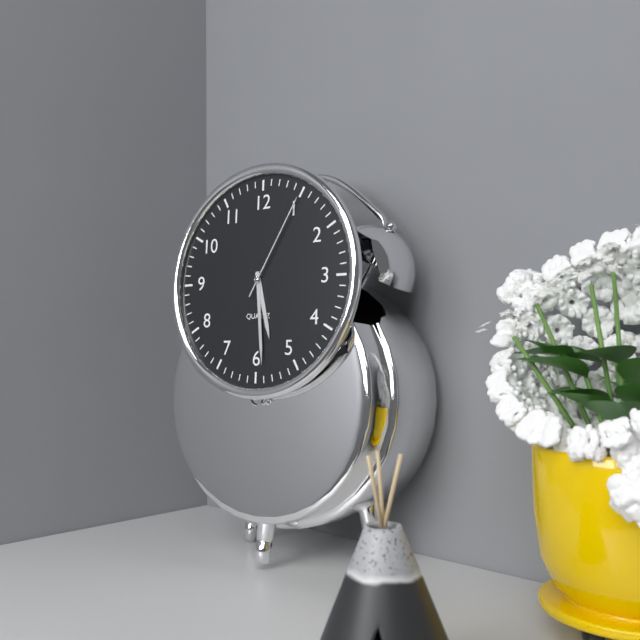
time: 5:29:05
